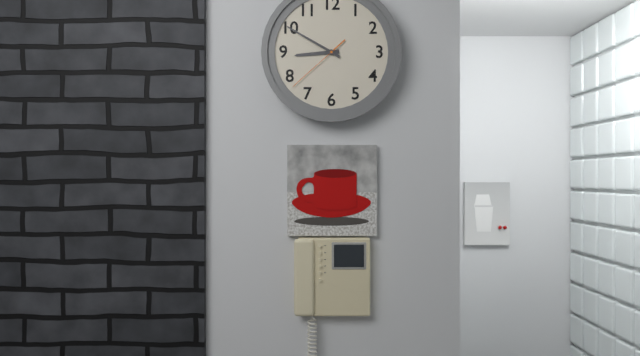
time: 8:50:38
